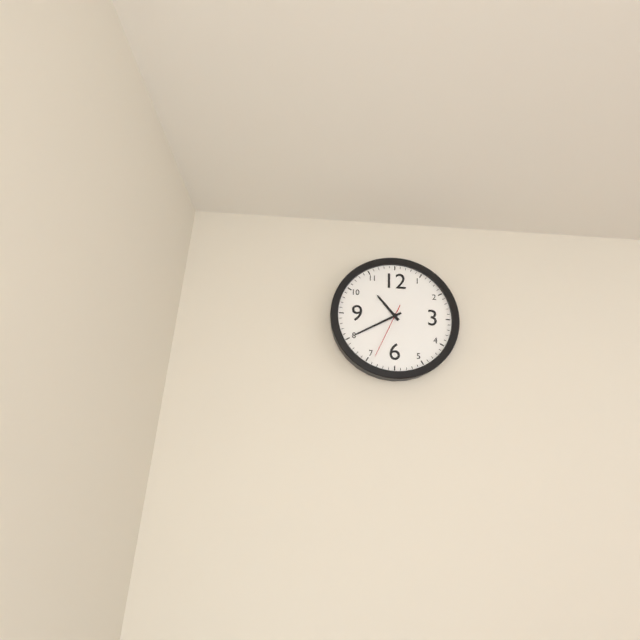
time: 10:40:34
